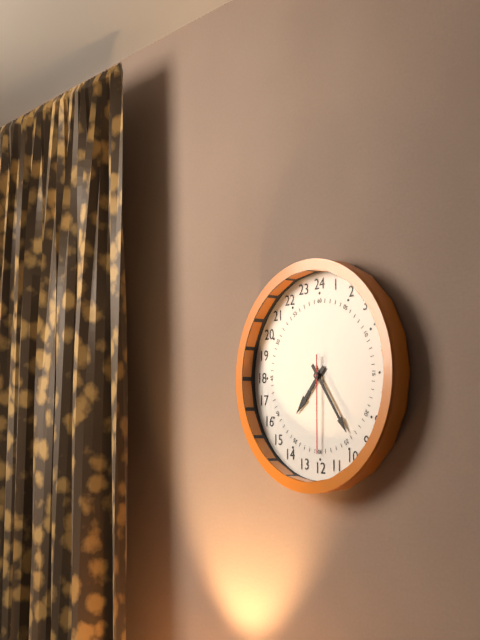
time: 7:24:30
